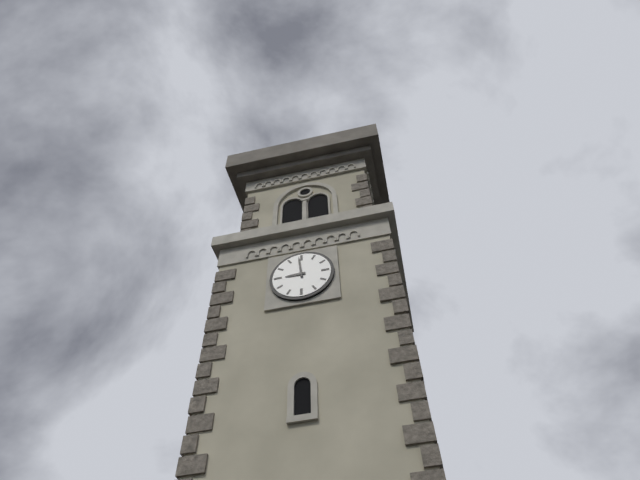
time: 8:59
